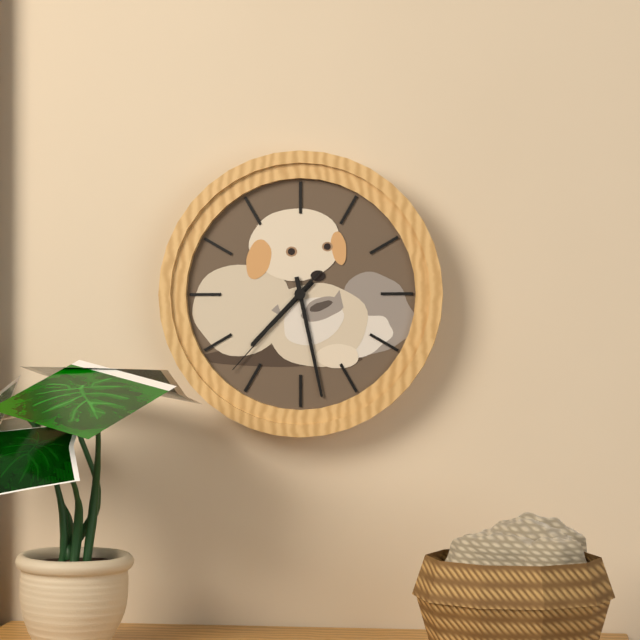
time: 7:28:37
